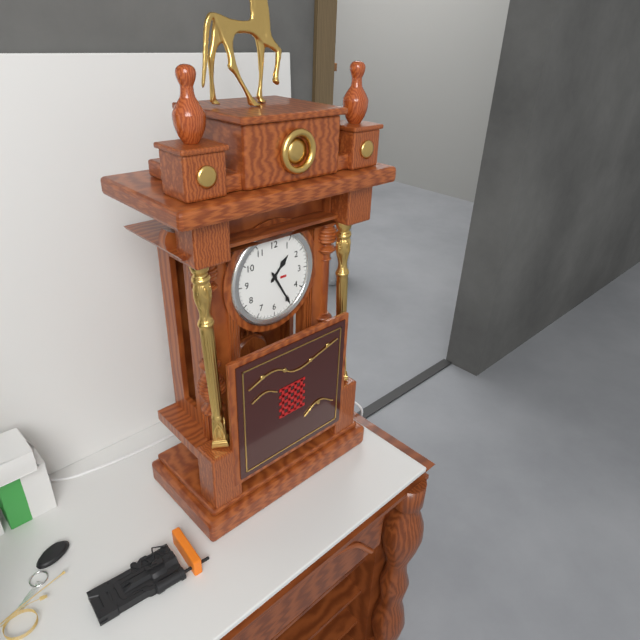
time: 1:25
